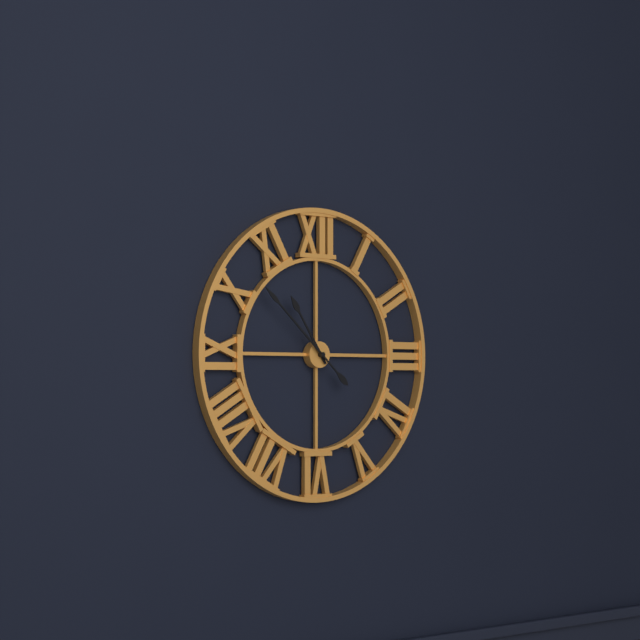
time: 10:52
